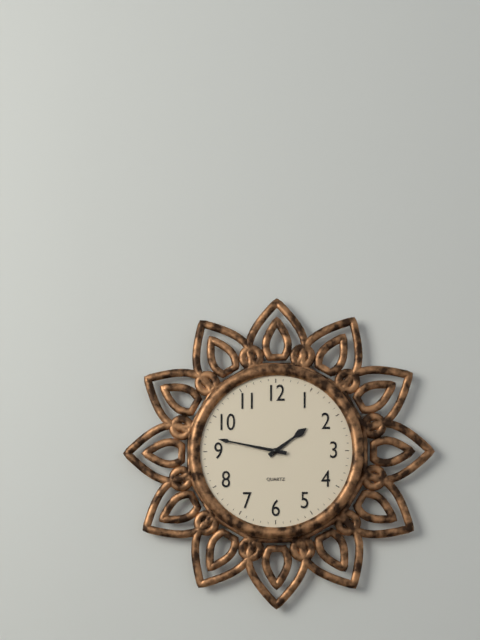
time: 1:47
